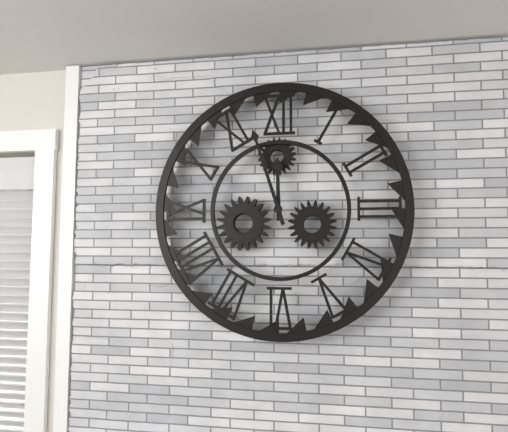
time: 11:57
